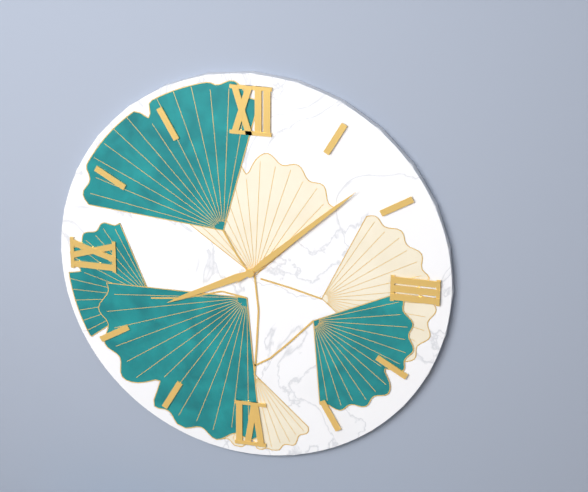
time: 8:08
